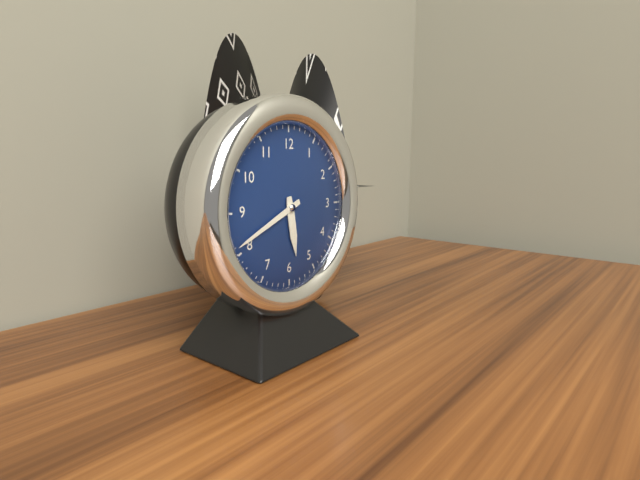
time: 5:41
